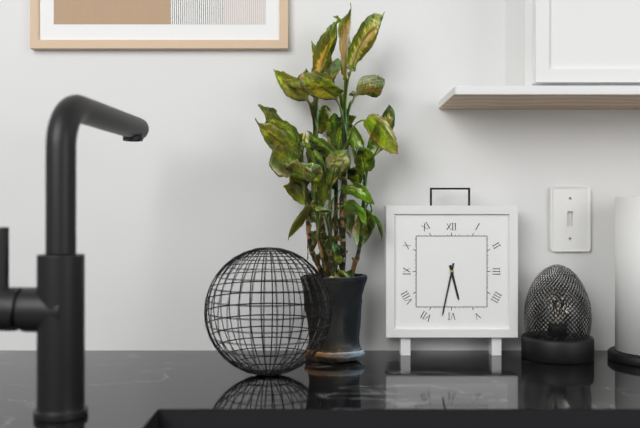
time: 5:32
